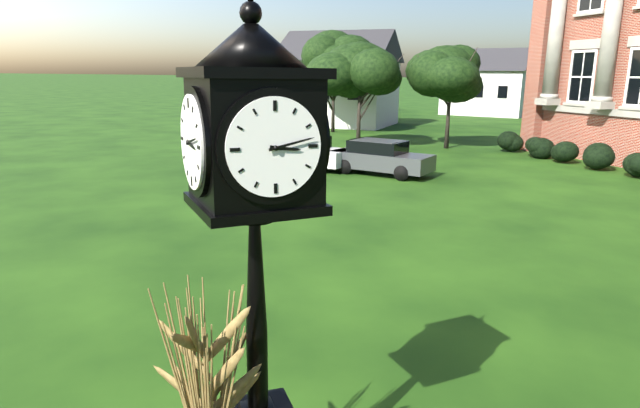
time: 3:13
